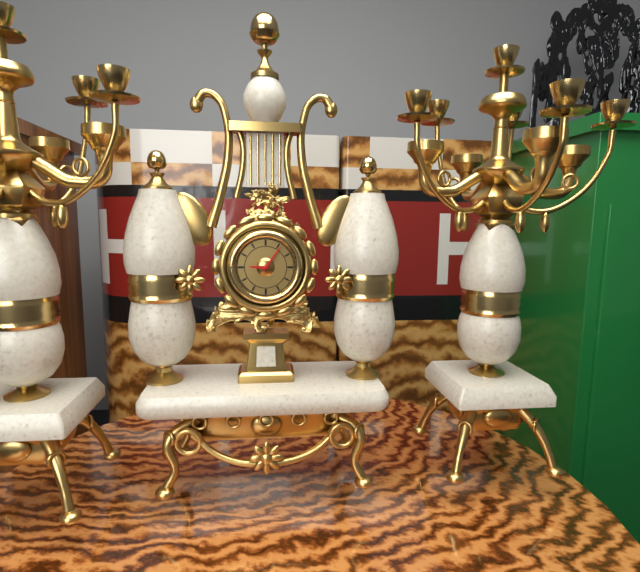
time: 9:06
